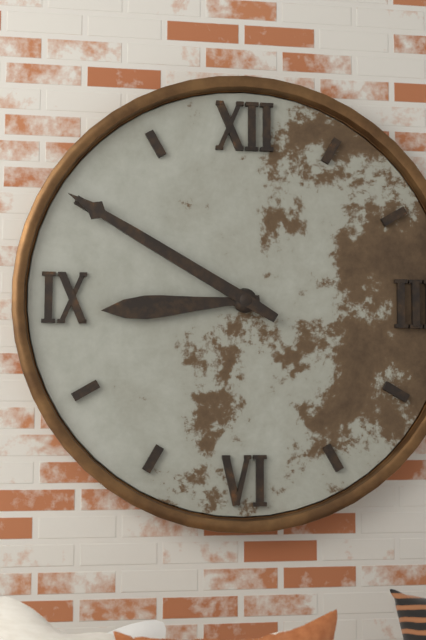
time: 8:50
